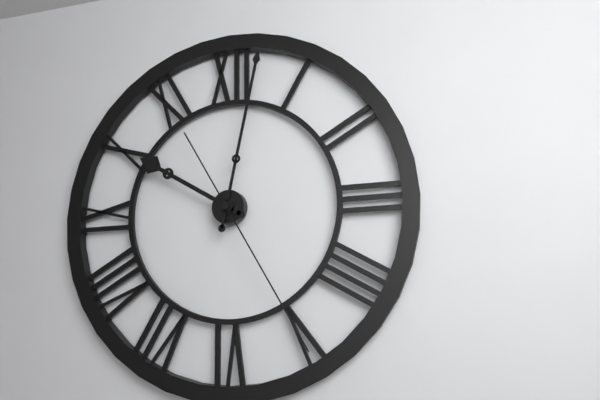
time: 10:02:25
